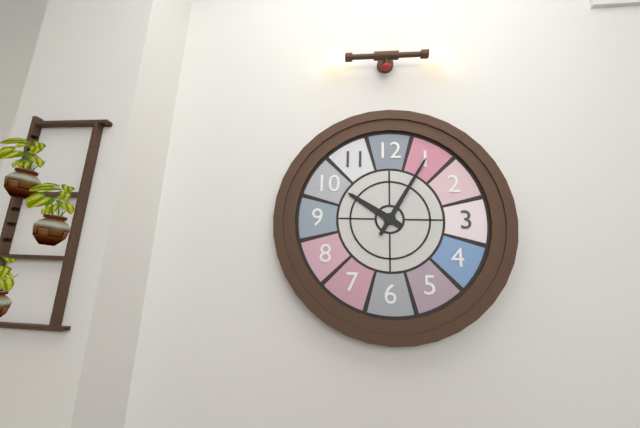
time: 10:05
